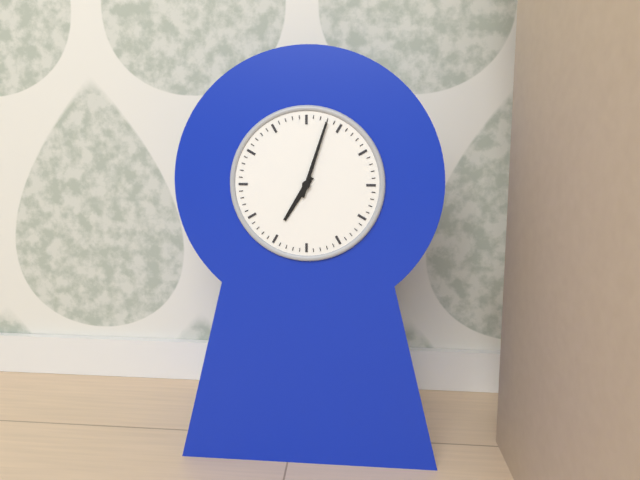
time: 7:03
